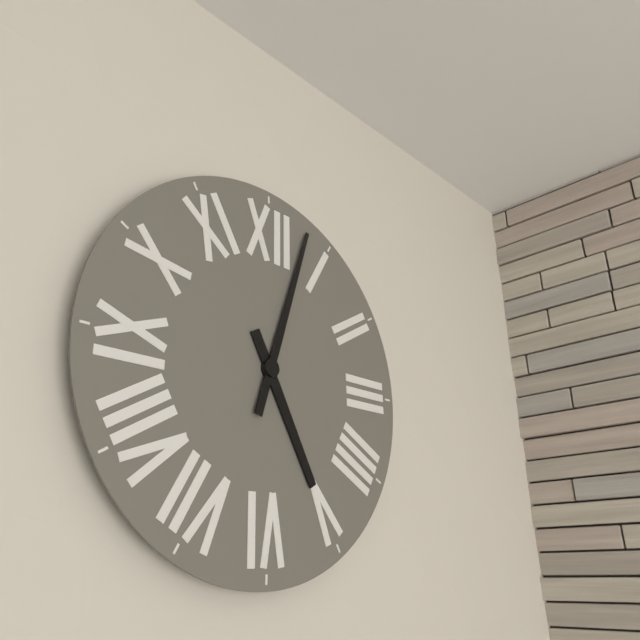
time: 5:03
